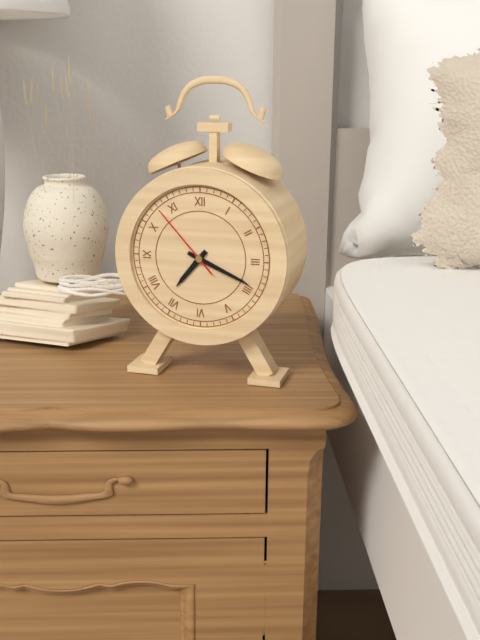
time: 7:19:53
